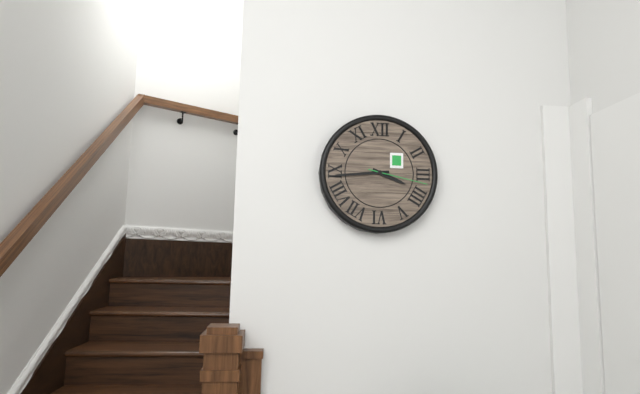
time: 3:44:17
